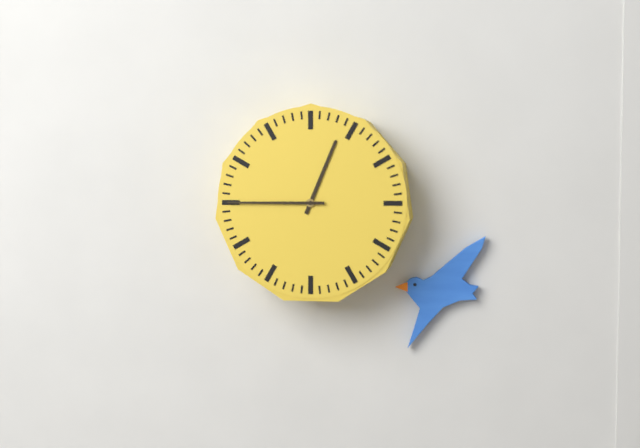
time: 12:45
